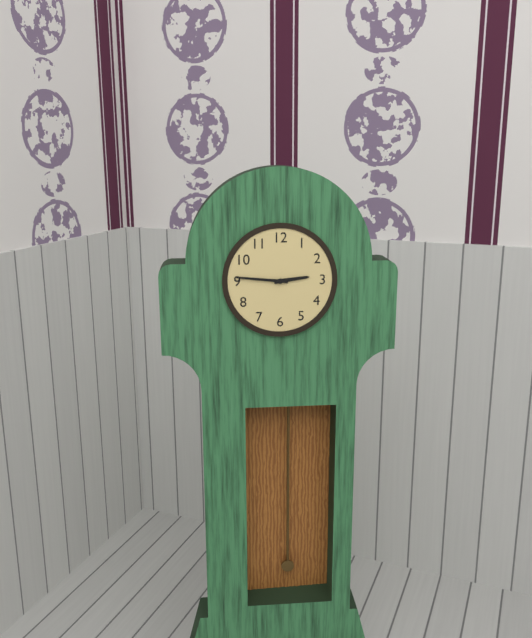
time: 2:46
